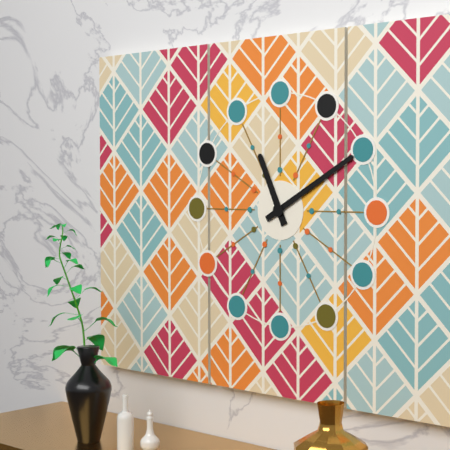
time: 11:10
